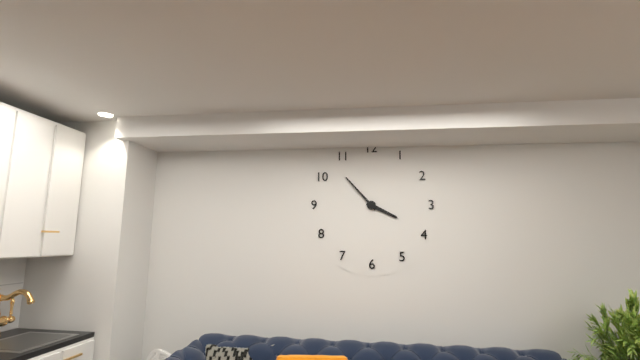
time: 3:53
